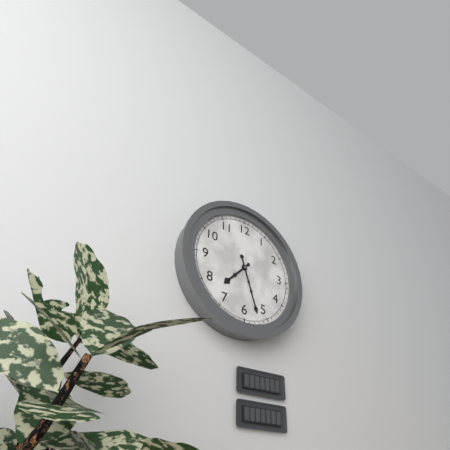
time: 7:27
